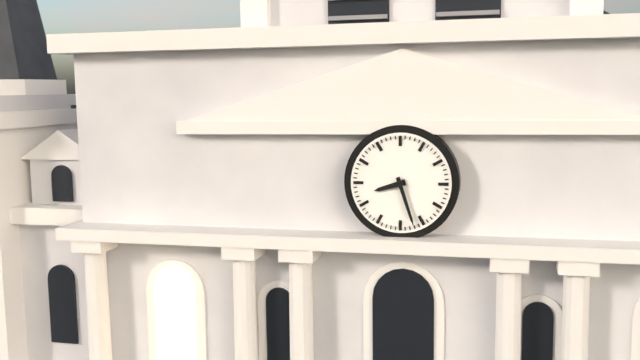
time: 8:27
